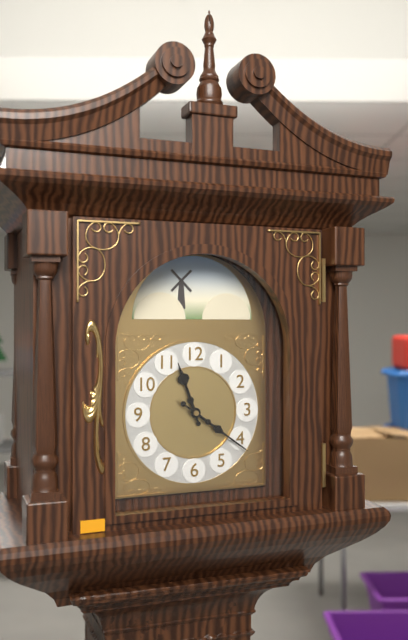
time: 11:21
